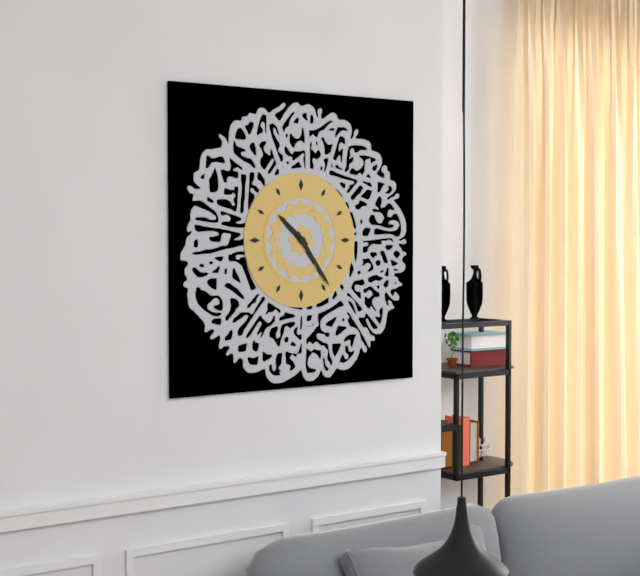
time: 10:24
